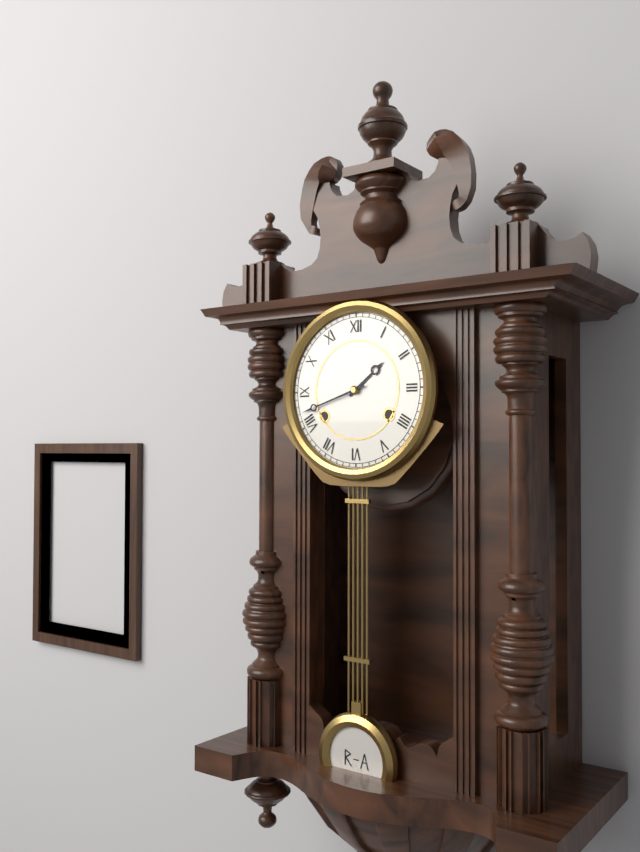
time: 1:42
